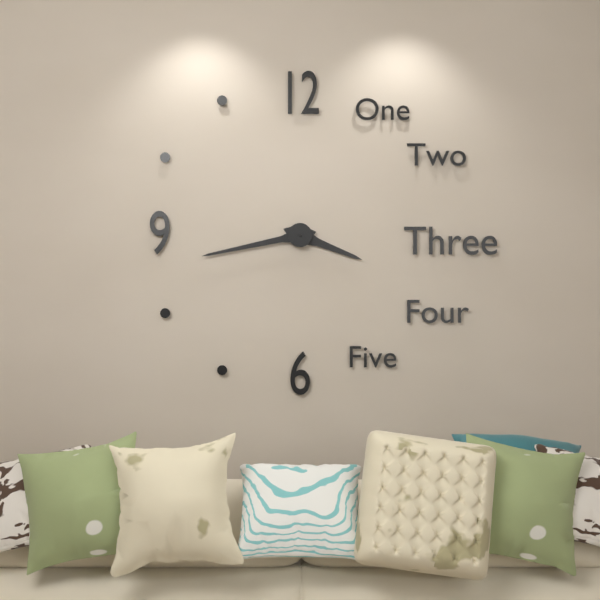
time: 3:43
